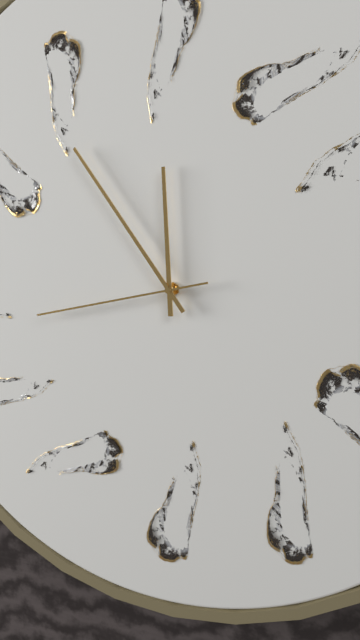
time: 11:54:43
